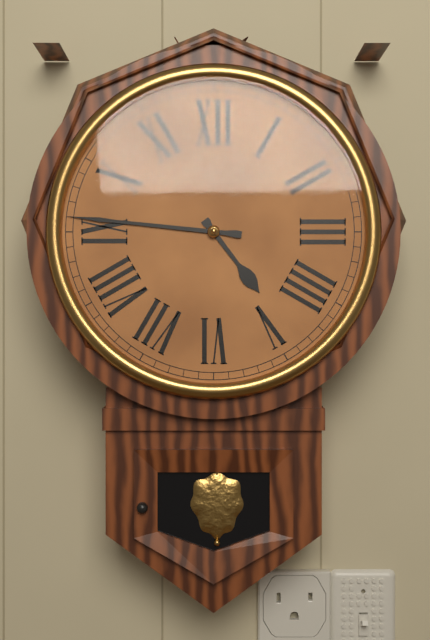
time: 4:46
